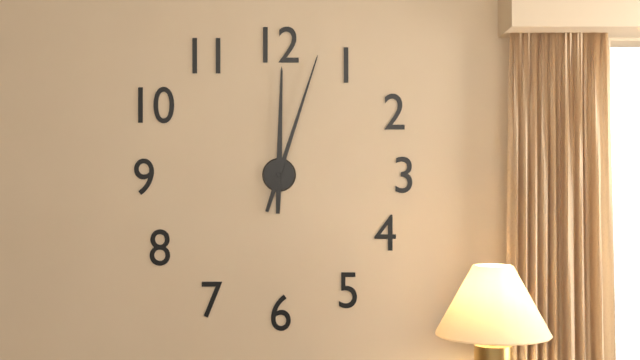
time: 12:03
